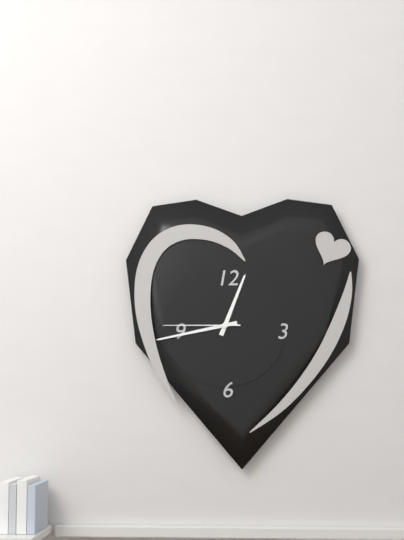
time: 12:43:45
